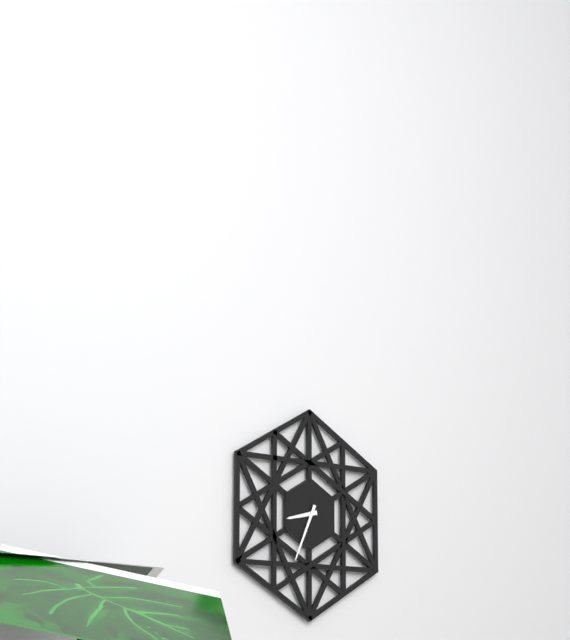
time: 8:34
